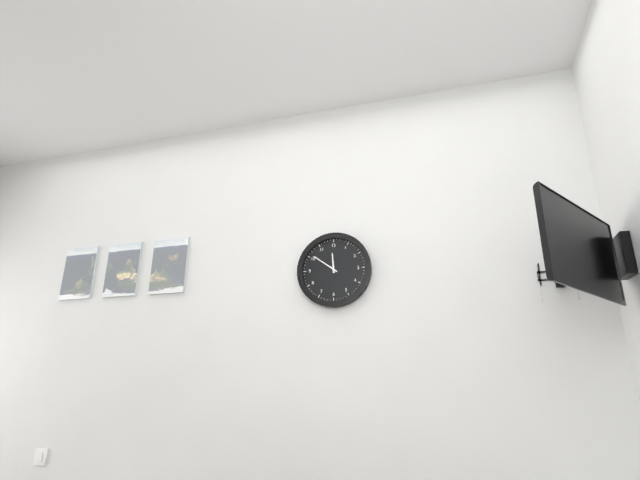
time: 11:51
